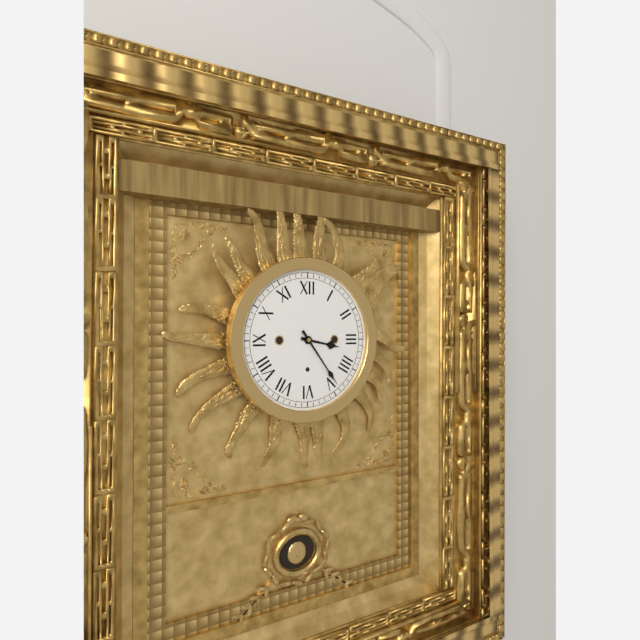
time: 3:24
